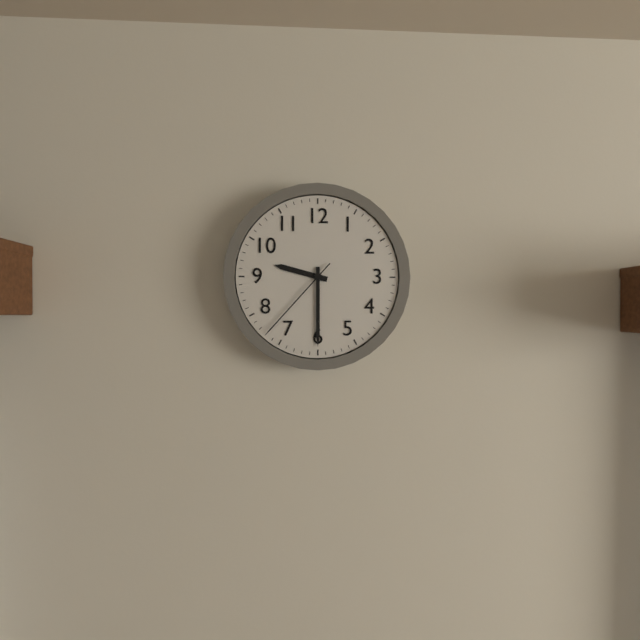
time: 9:30:37
